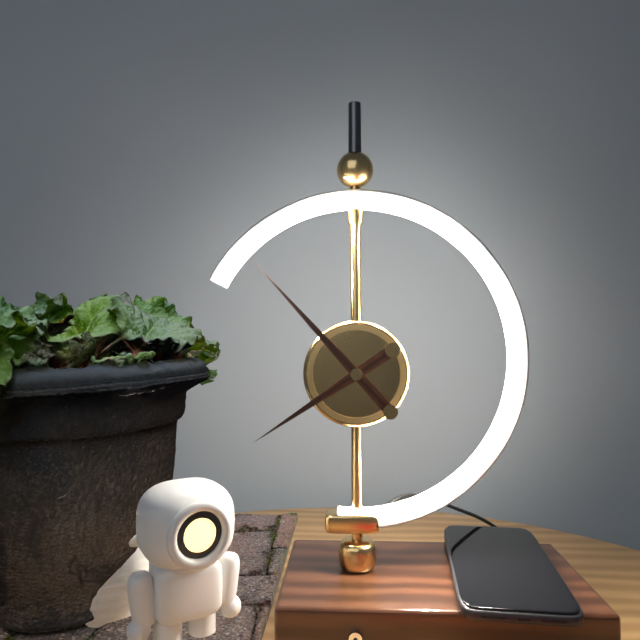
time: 7:53
